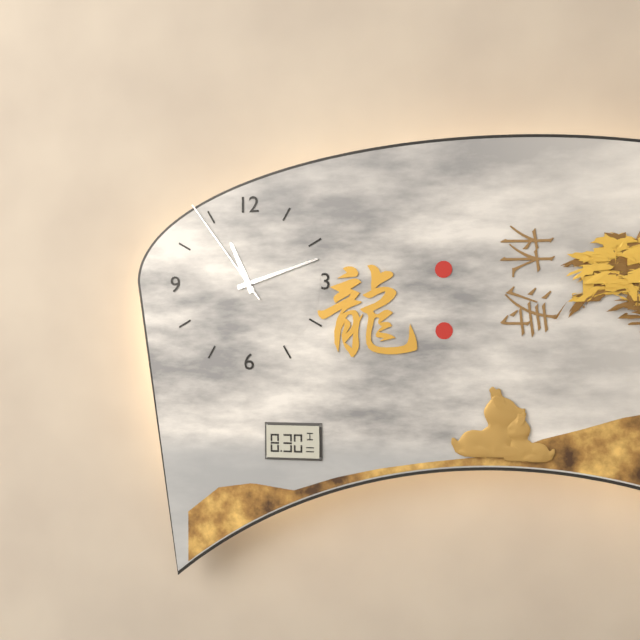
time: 11:12:54
